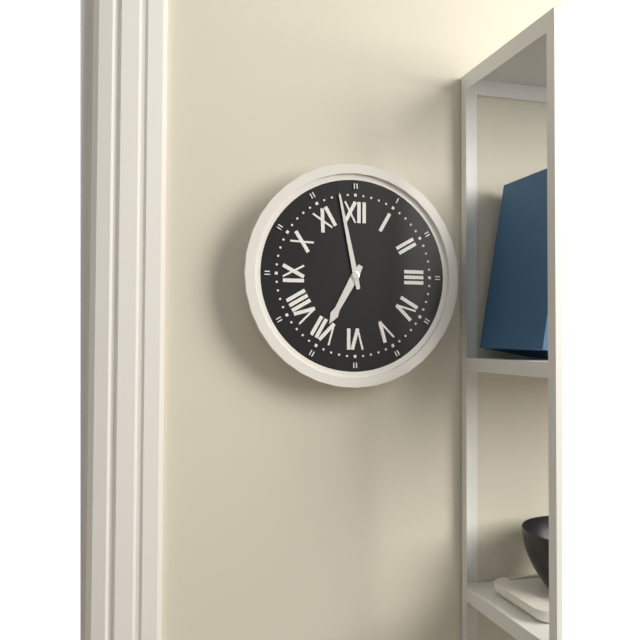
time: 6:58
